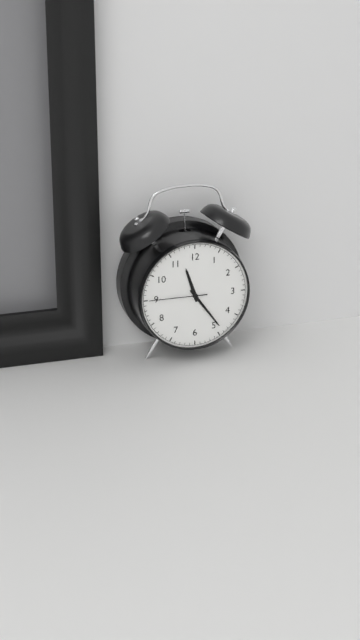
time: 11:24:45
